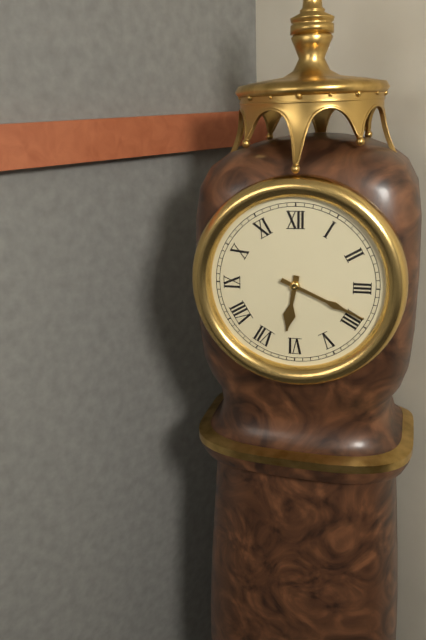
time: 6:19
